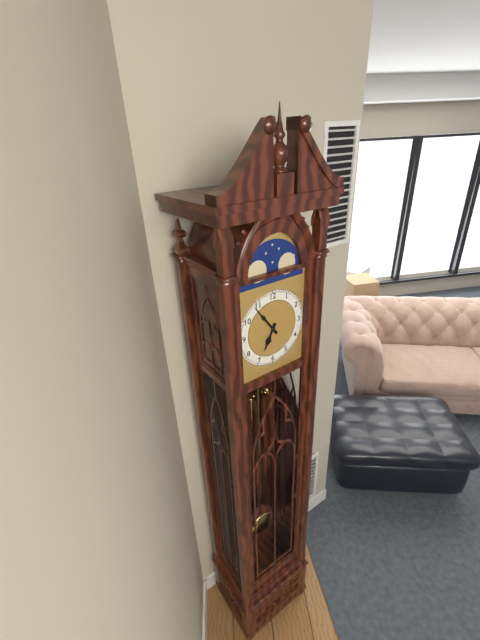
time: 6:54
